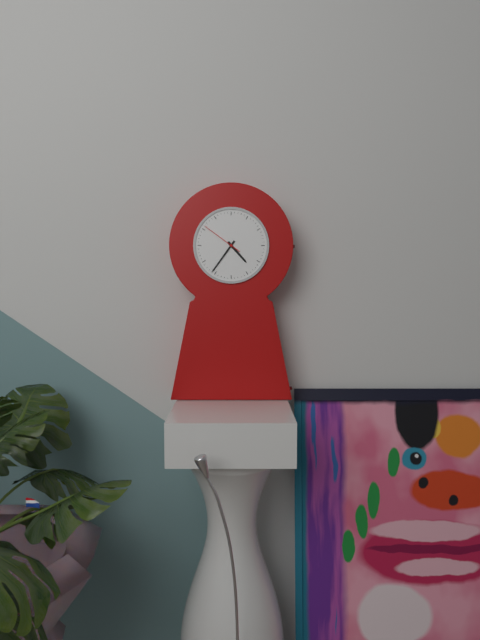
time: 4:36
